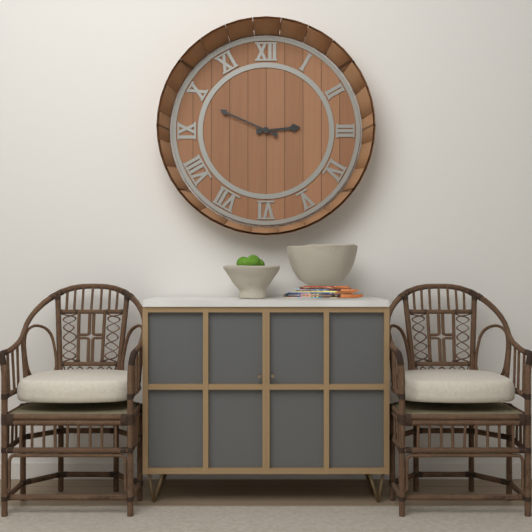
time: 2:49
